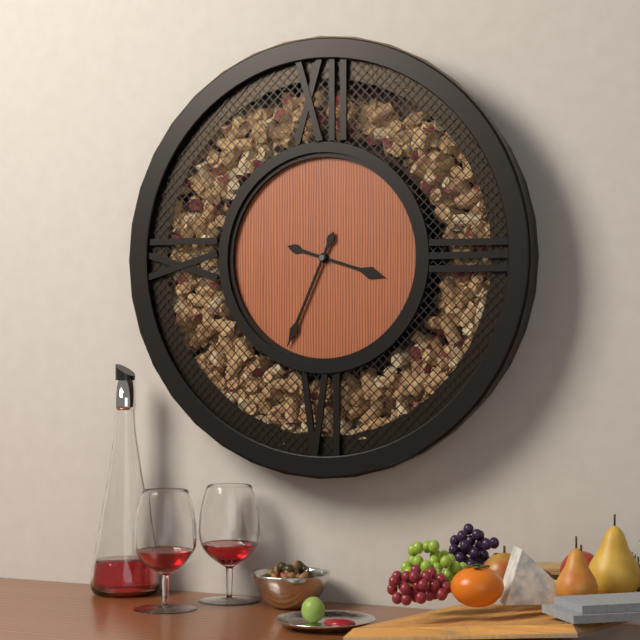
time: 3:34
